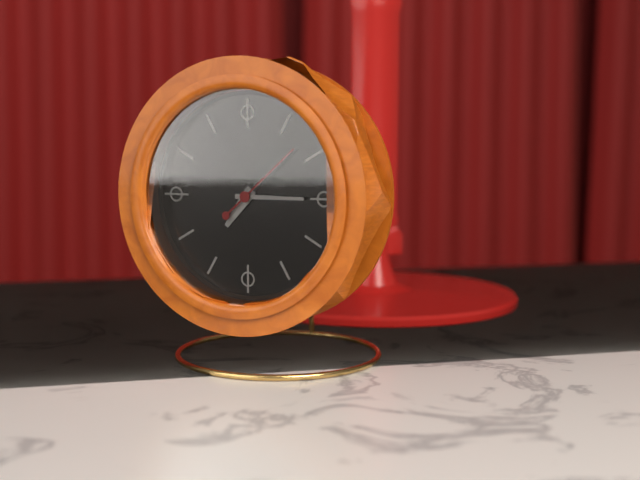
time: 7:15:08
